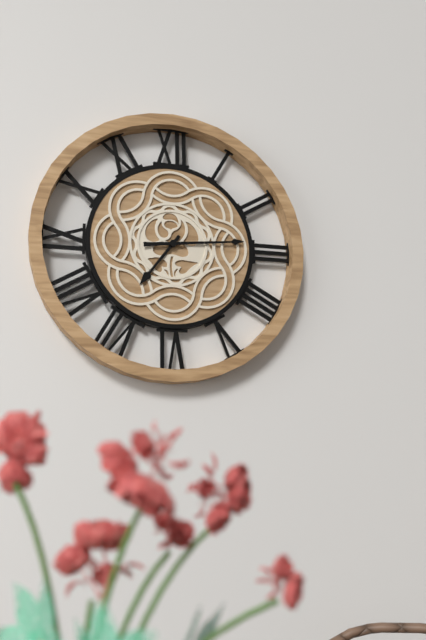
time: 7:14
